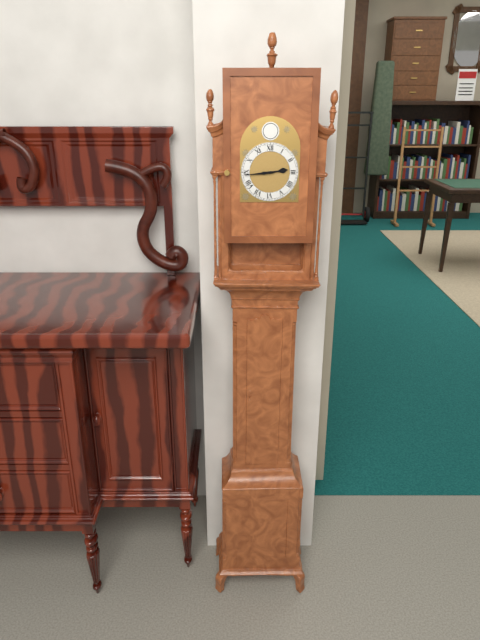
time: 2:44
